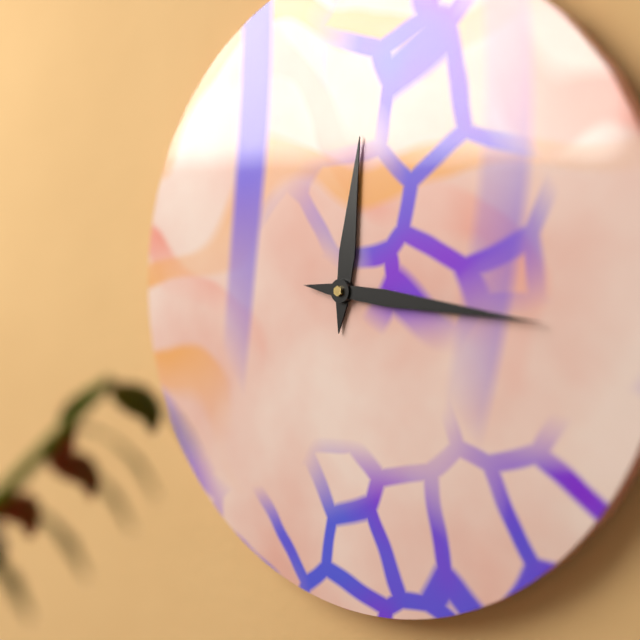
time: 12:16
